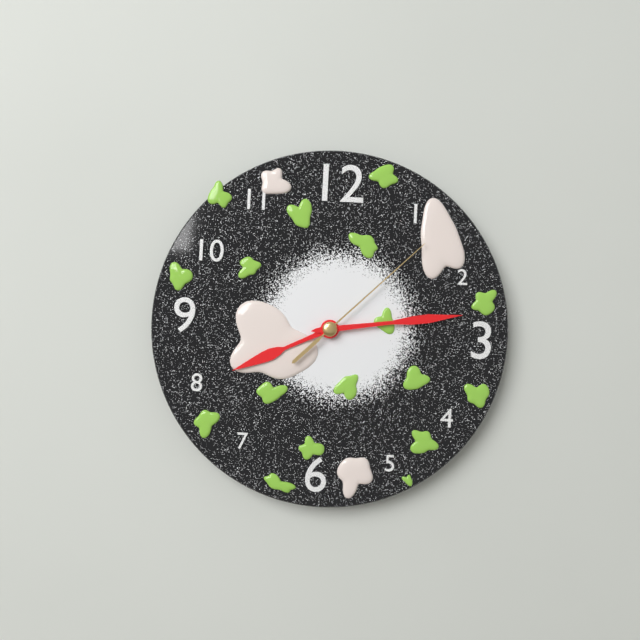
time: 8:14:08
